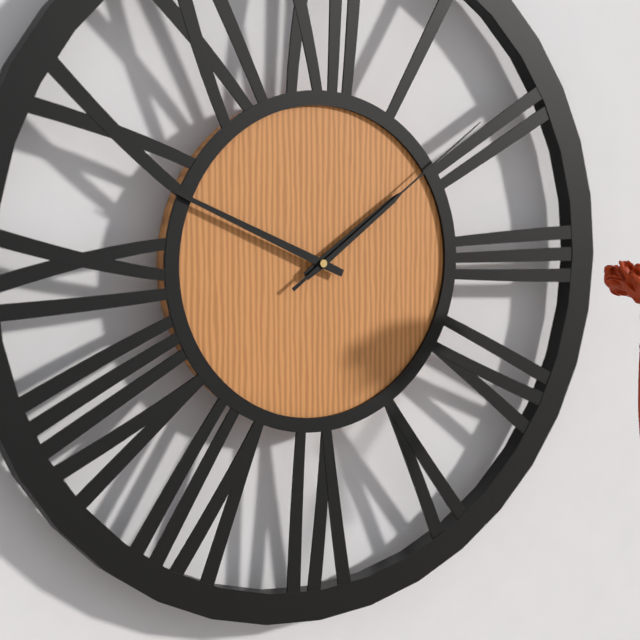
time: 1:49:09
